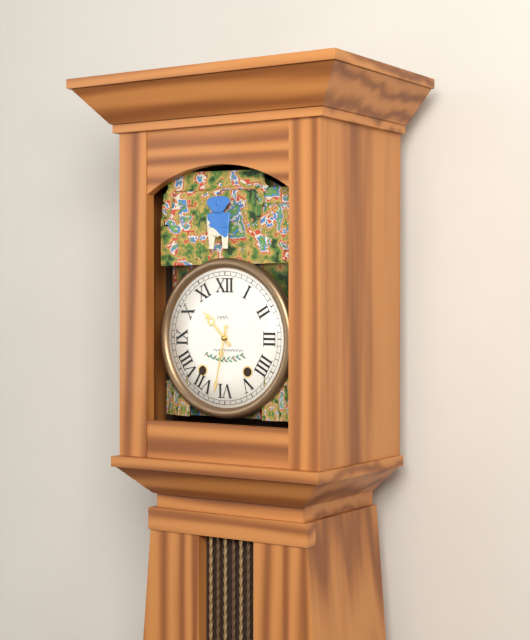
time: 10:32
